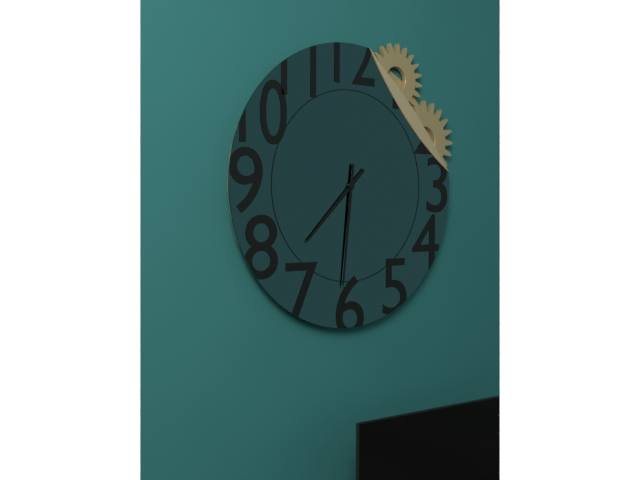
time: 7:31
